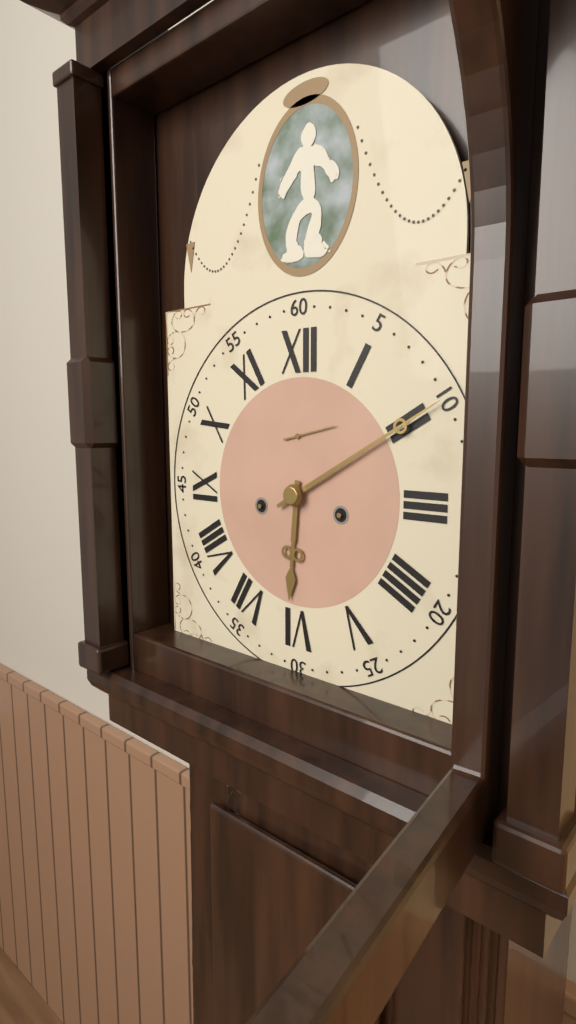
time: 6:10:13
